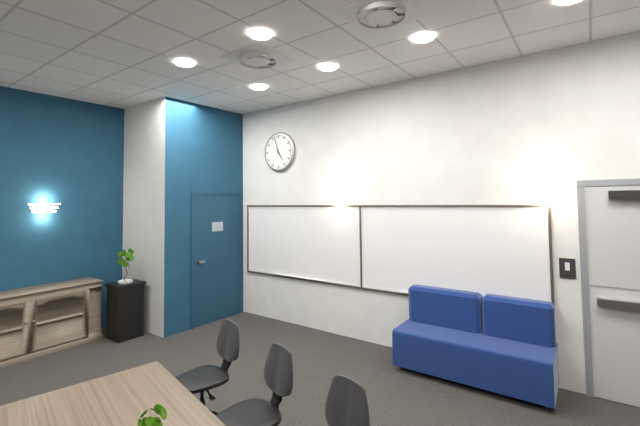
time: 4:57
